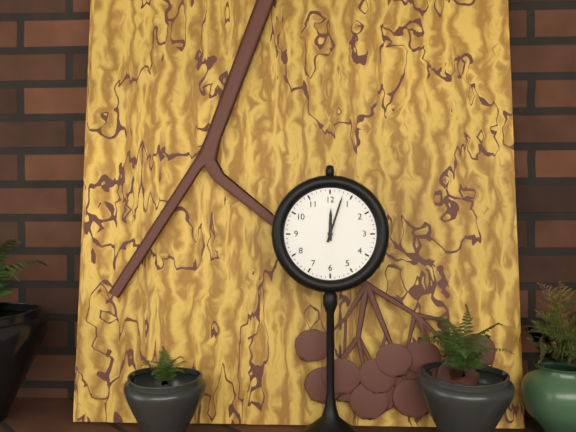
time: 12:03
